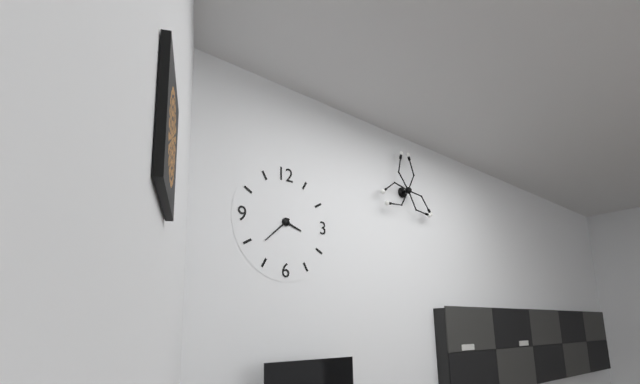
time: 3:38
